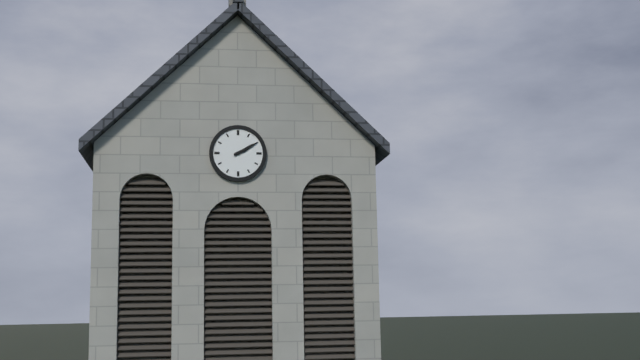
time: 2:10
